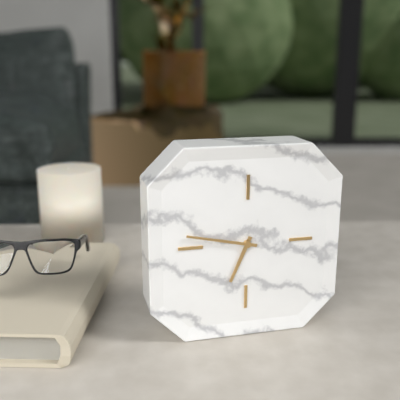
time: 6:47
